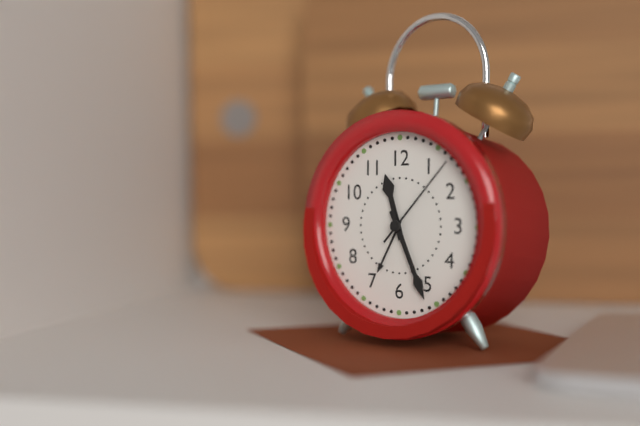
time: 11:26:07
